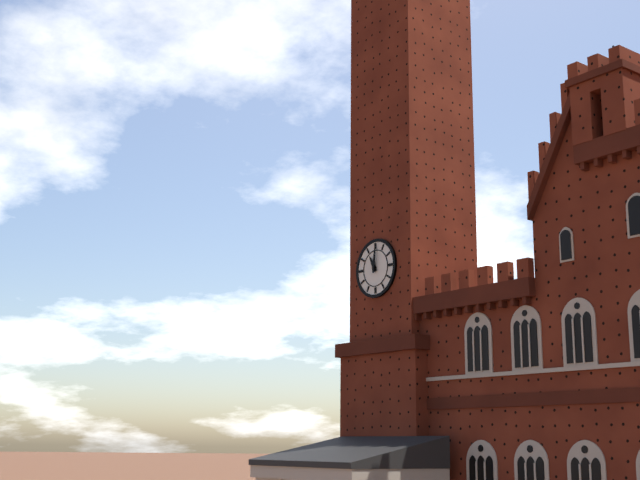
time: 11:01
